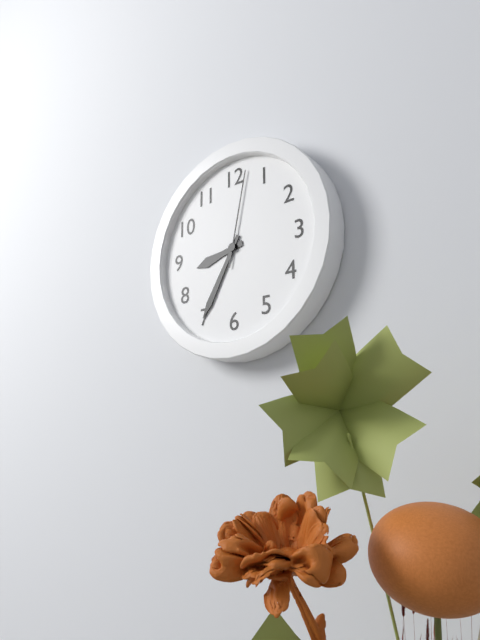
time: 8:35:02
